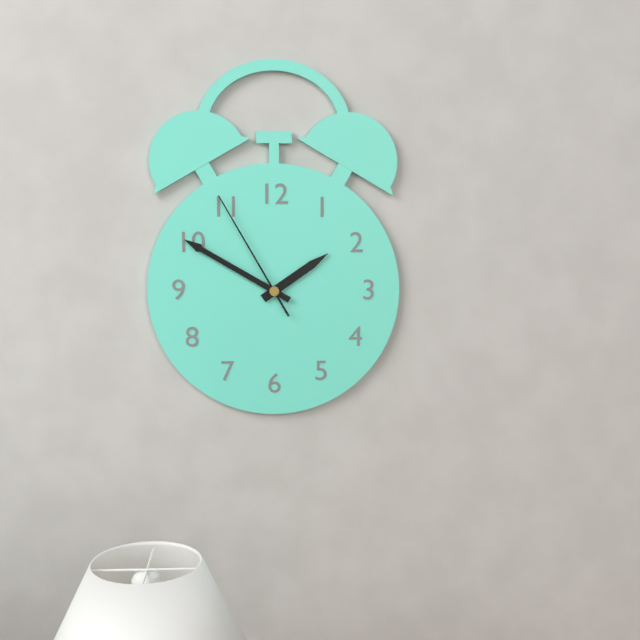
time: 1:50:55
